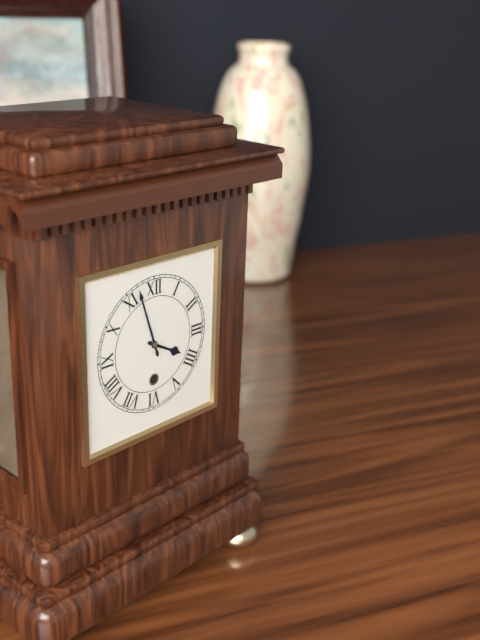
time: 3:57
